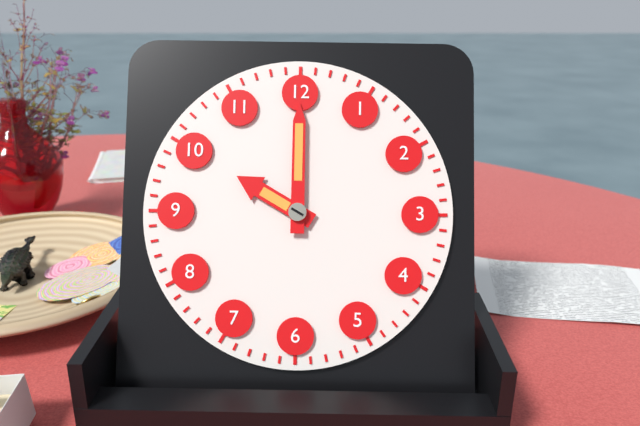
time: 10:00
